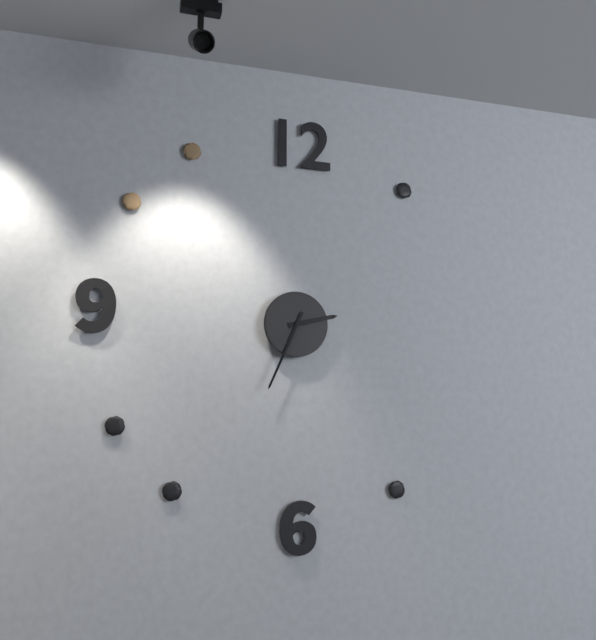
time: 2:34
